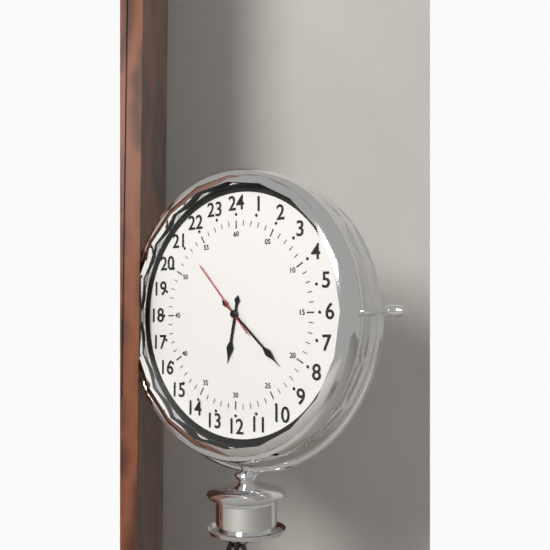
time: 6:22:53
